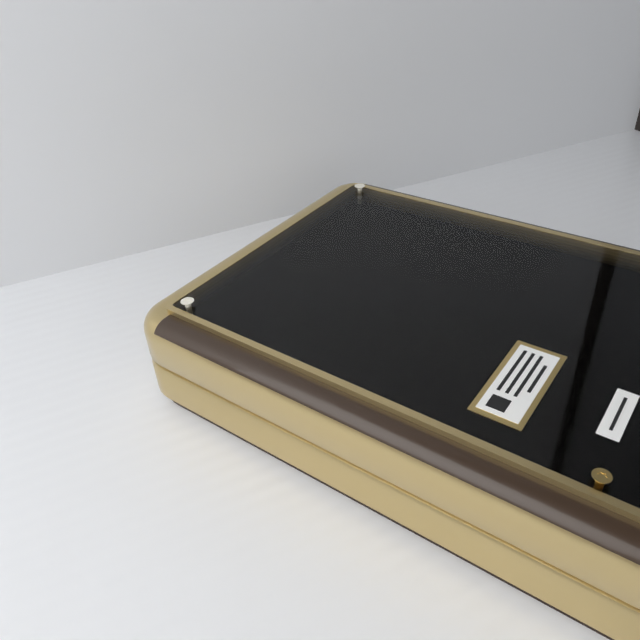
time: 9:28
